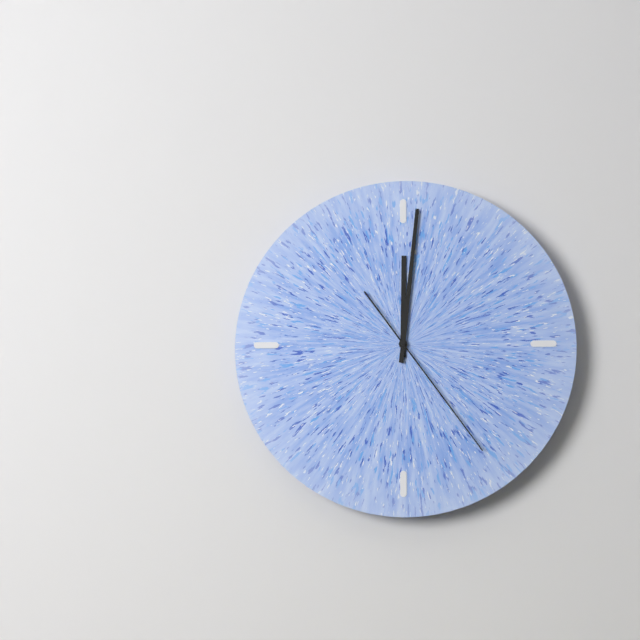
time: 12:01:24
